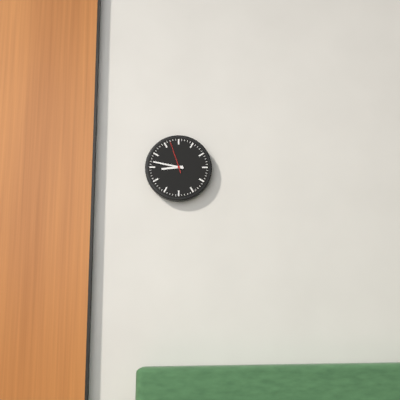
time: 8:47
